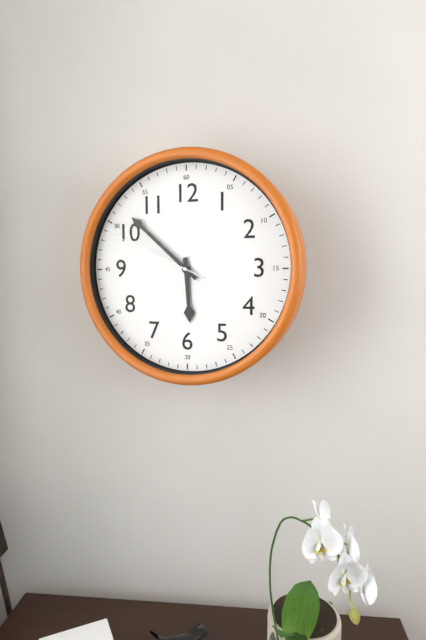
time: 5:52:49
